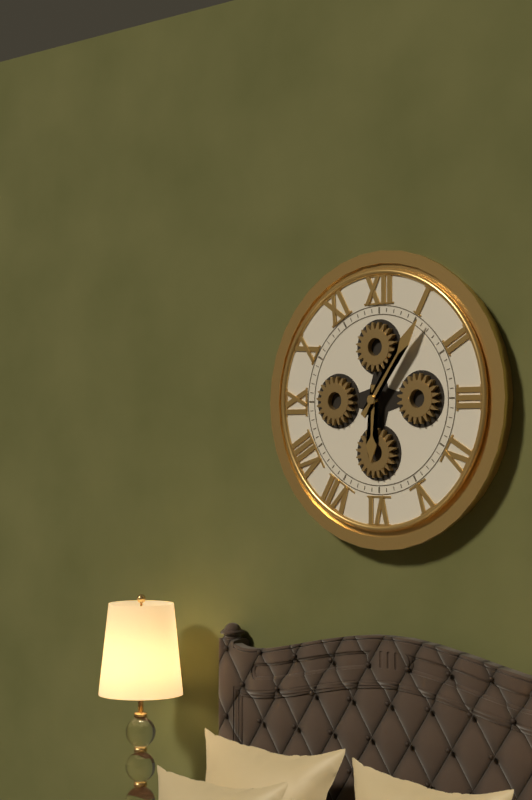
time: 6:06
